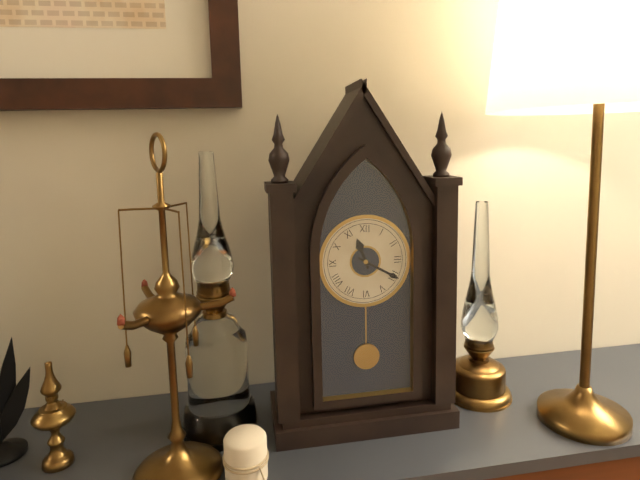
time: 11:20
